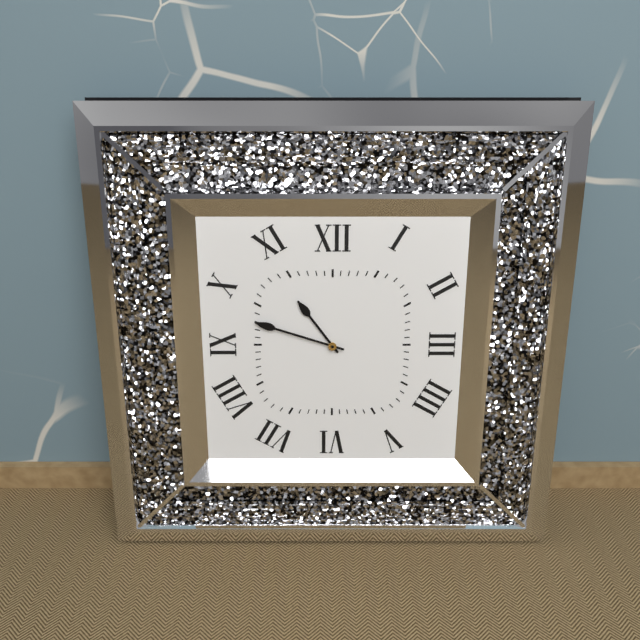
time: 10:48
